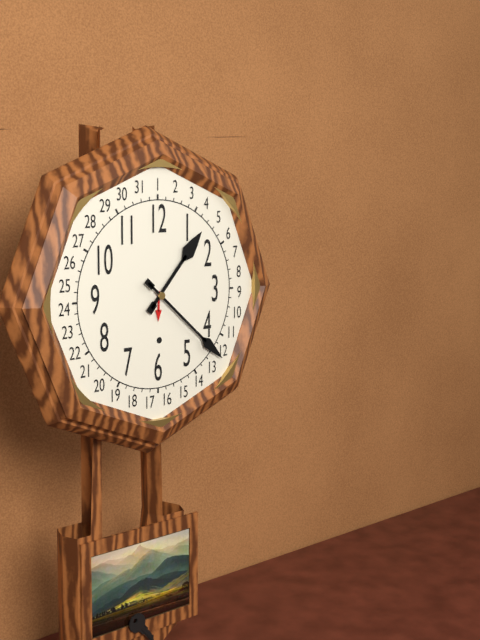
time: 1:22
